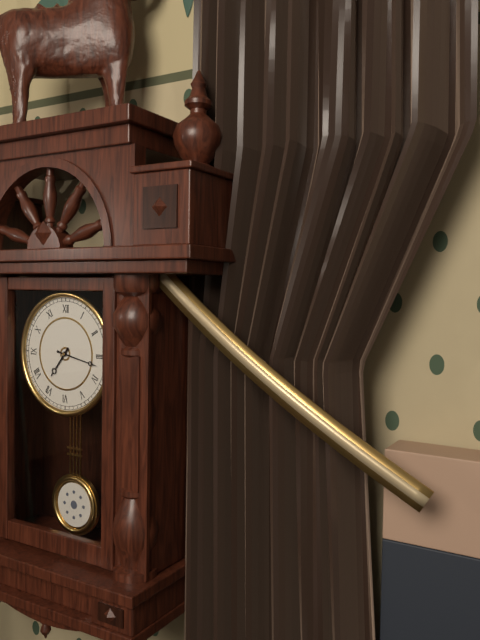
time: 7:17
